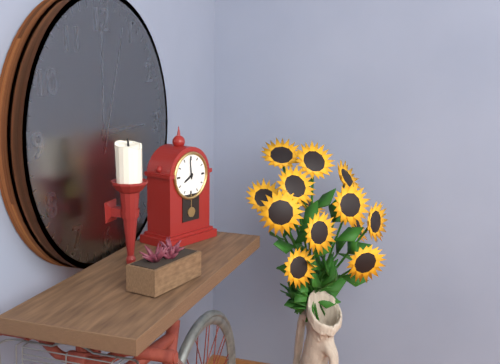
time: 7:59
